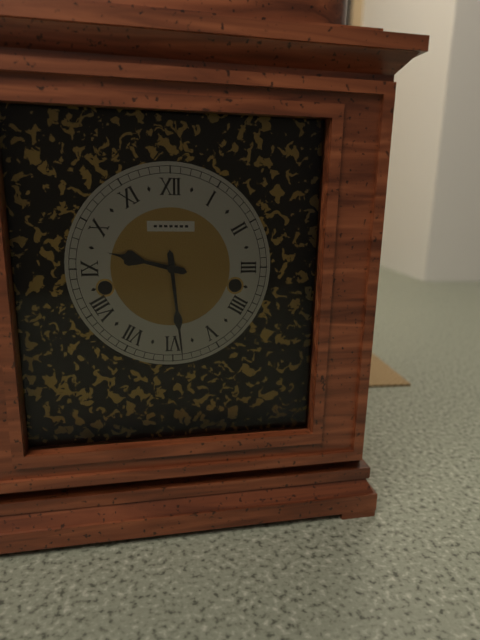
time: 9:29
